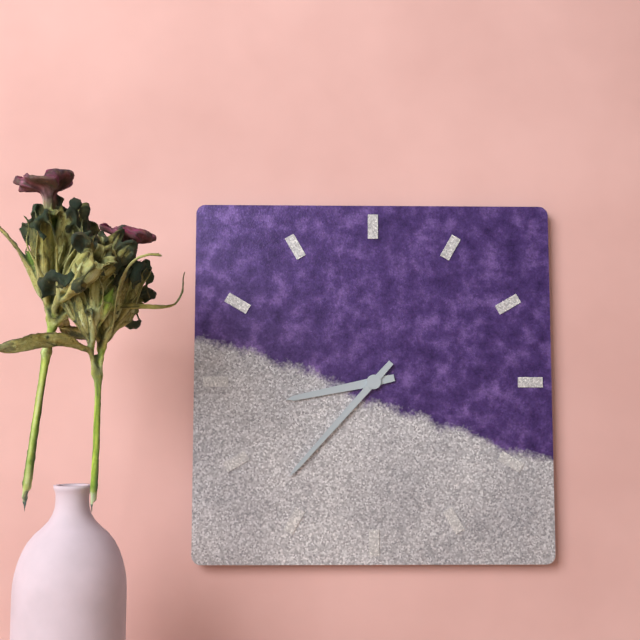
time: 8:37
